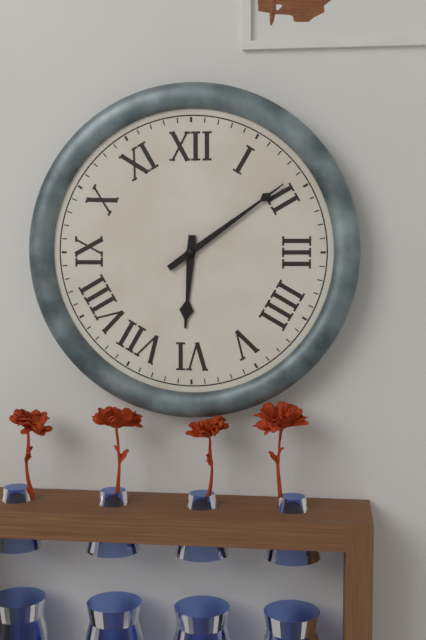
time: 6:09
